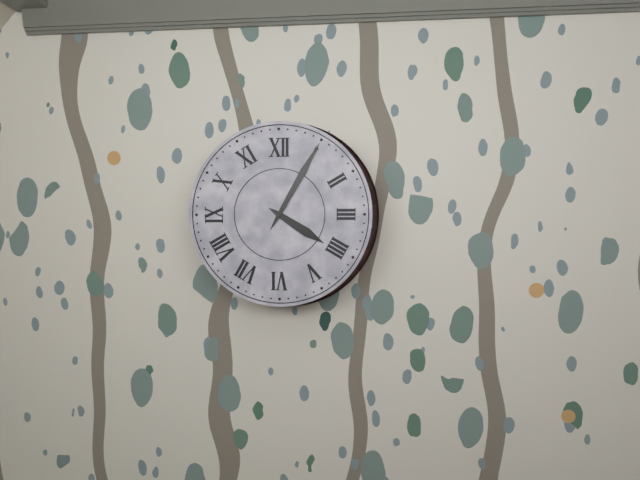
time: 4:05
